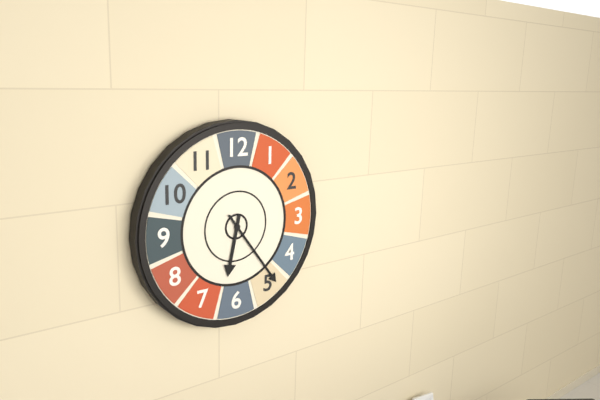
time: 6:24
